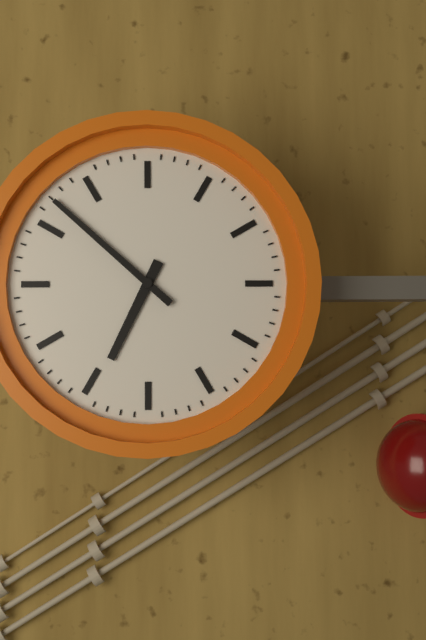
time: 6:52
